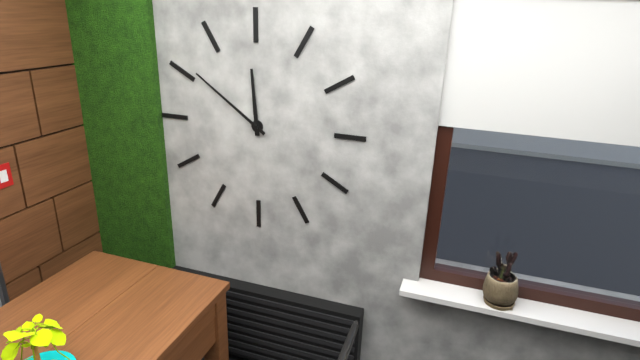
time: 11:51
